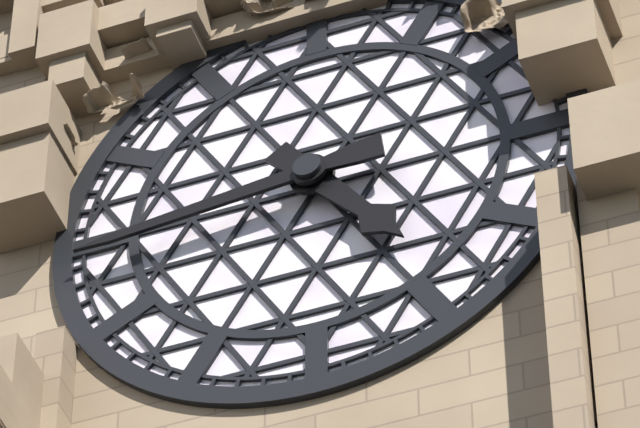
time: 4:44
